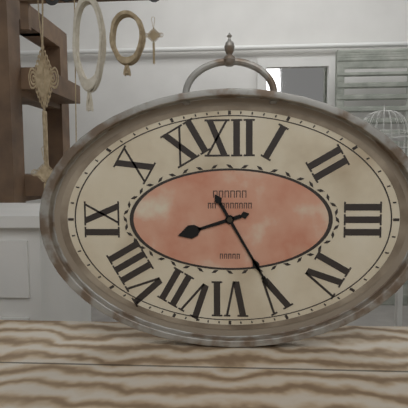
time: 8:25
